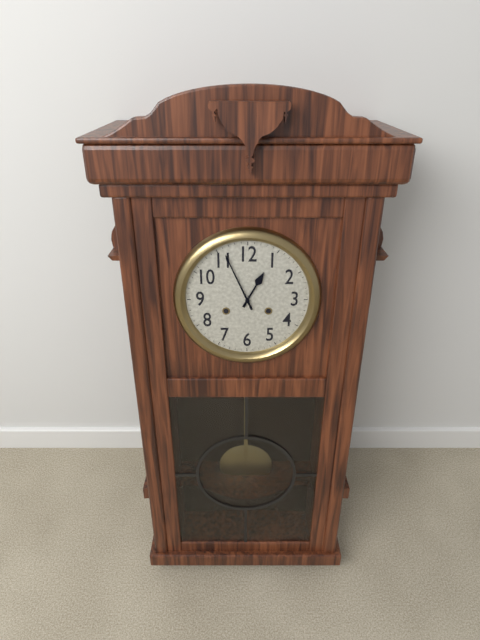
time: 12:56
